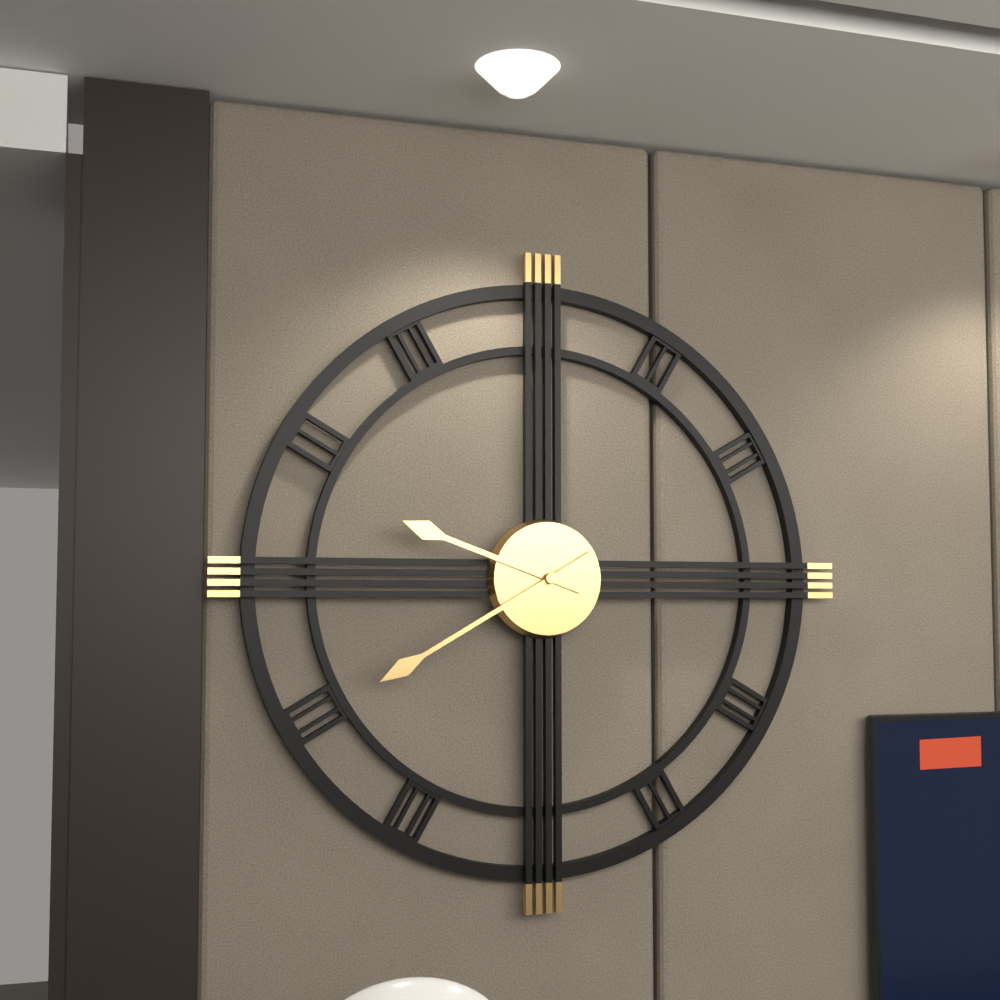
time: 9:40
